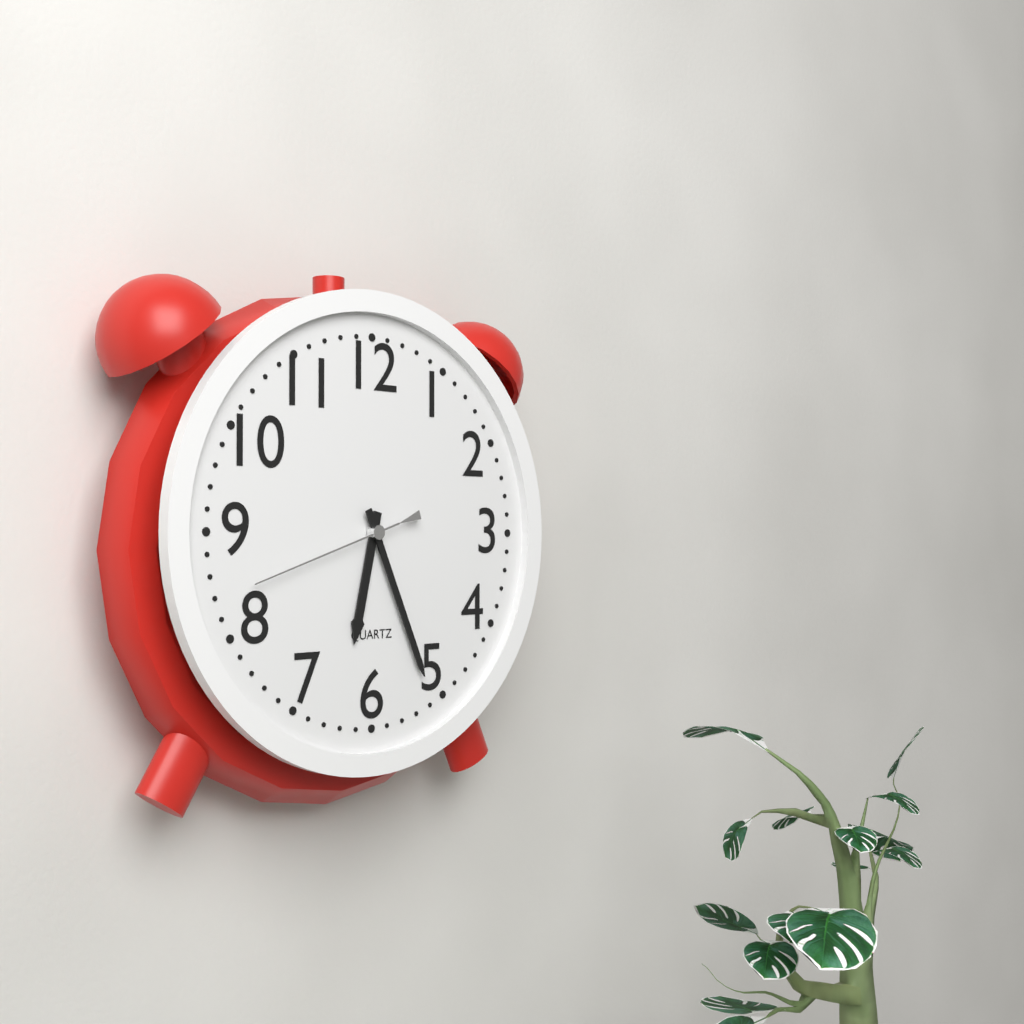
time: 6:26:42
